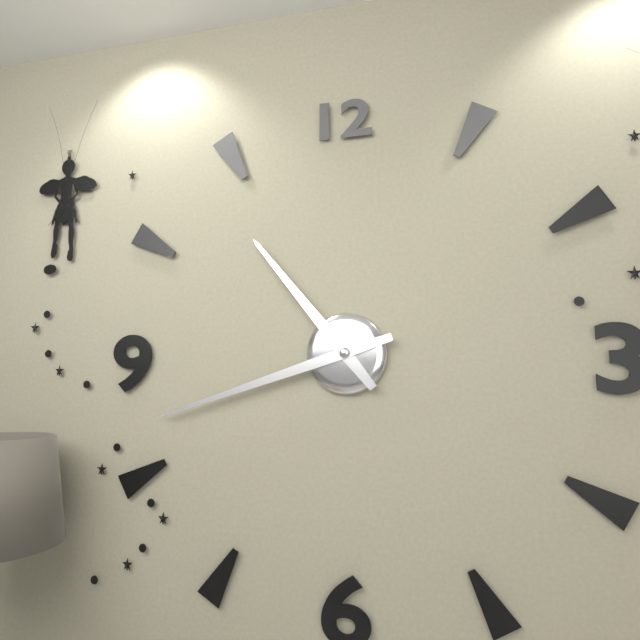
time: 10:42
